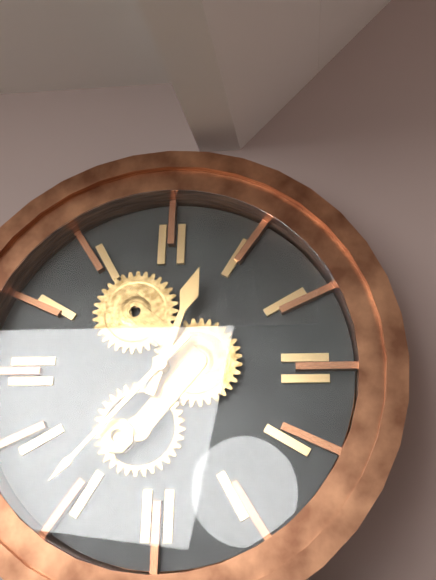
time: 12:37
